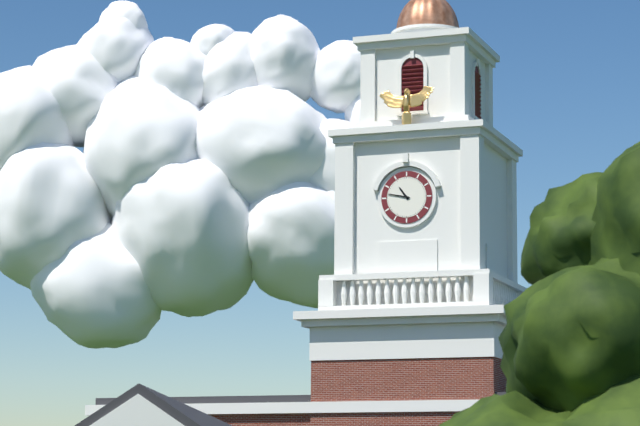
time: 10:47
